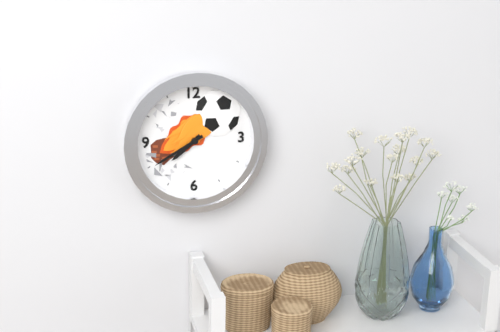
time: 7:40
